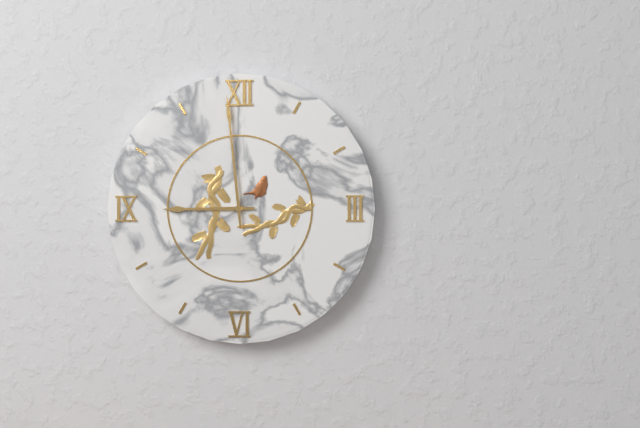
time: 8:59
